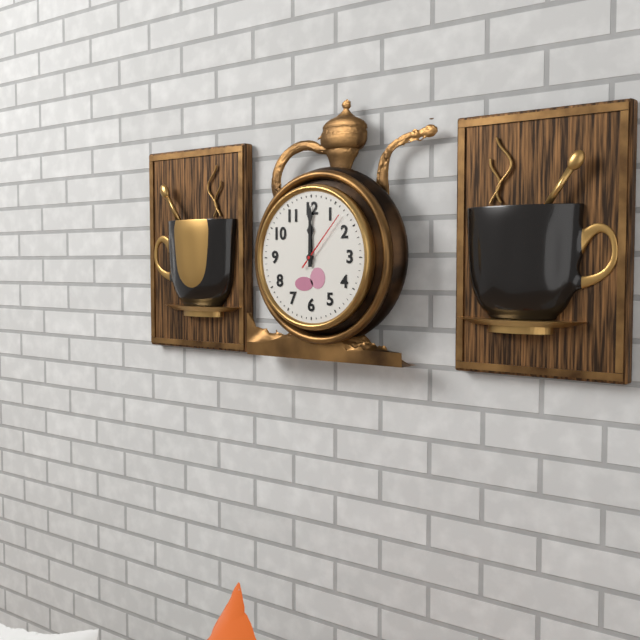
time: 12:00:07
